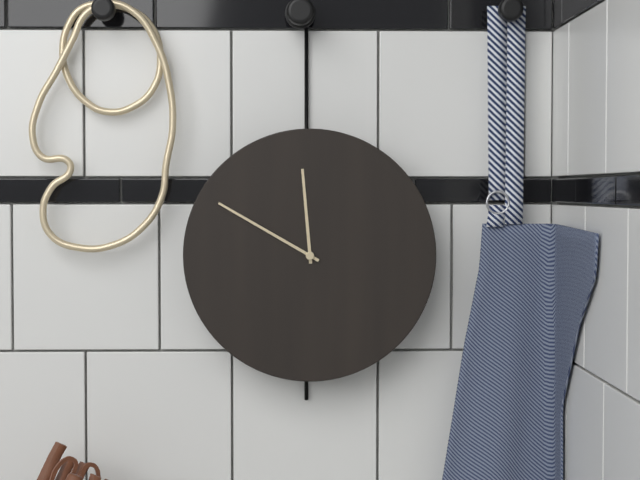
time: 11:50
